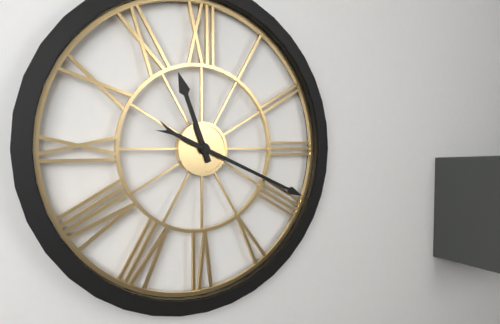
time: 11:19
